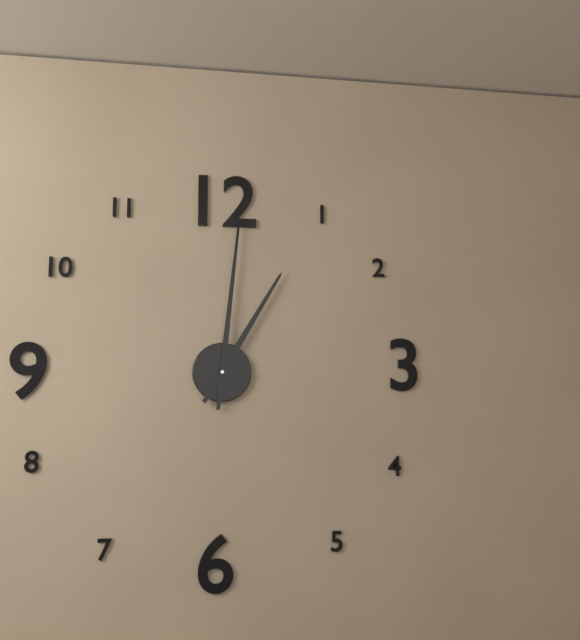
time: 1:01
